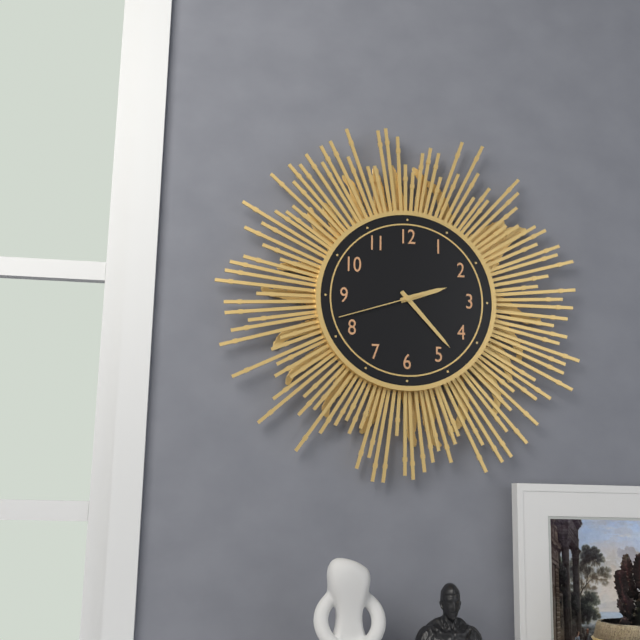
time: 2:23:42
